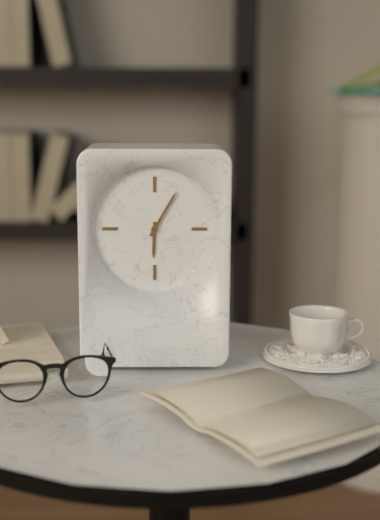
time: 6:05
